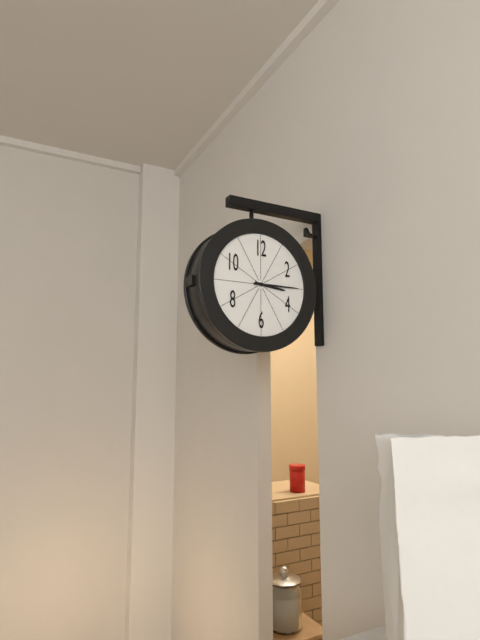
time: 3:15
